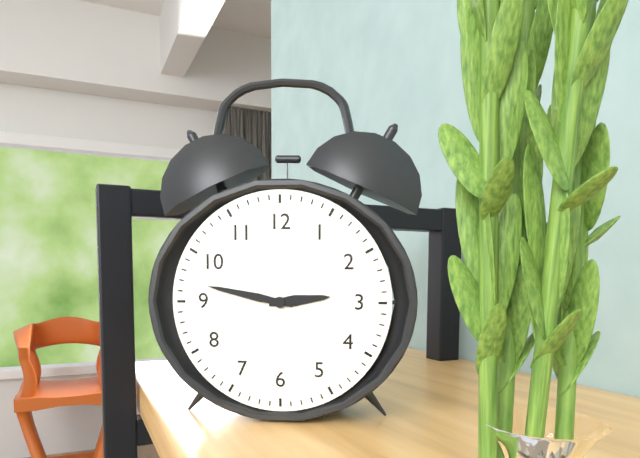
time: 2:47
